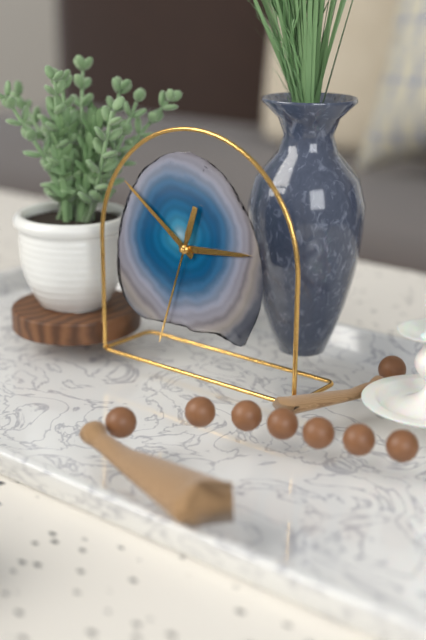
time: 2:51:33
